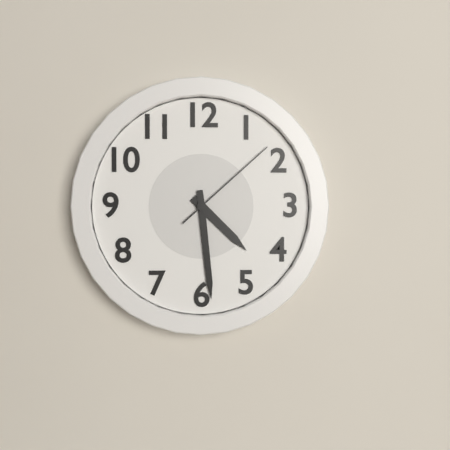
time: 4:29:08
